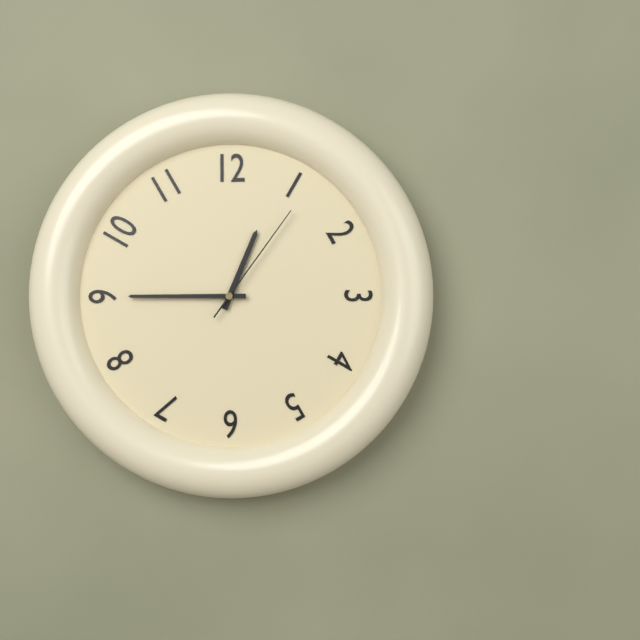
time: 12:45:06
